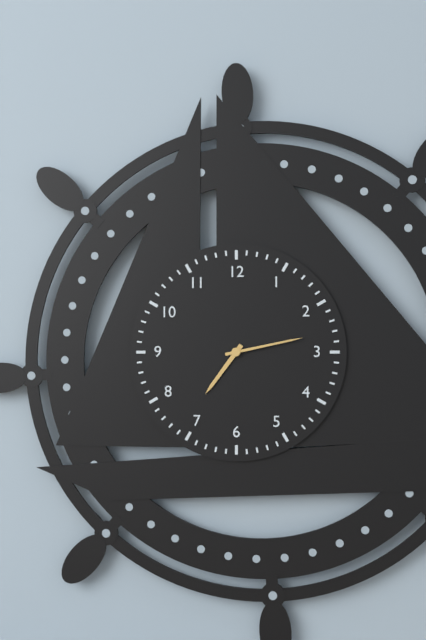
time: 7:13
